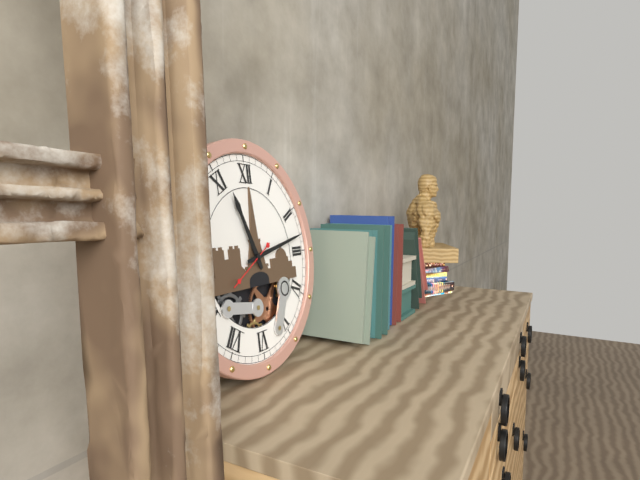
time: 11:13
